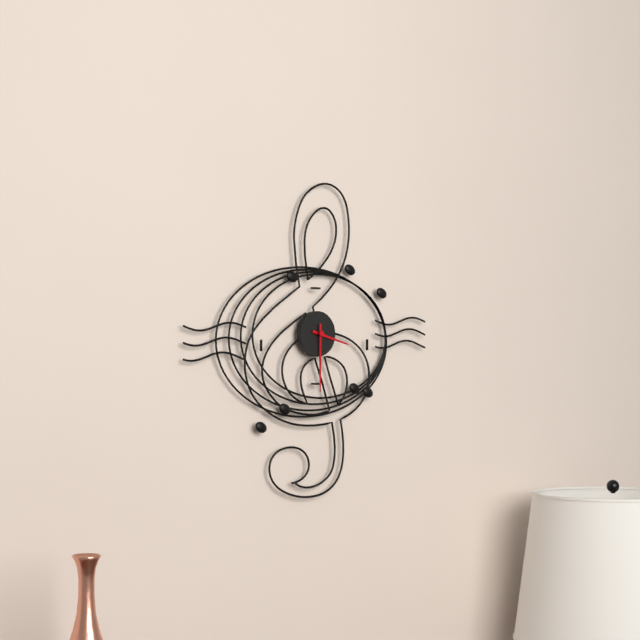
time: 3:30
